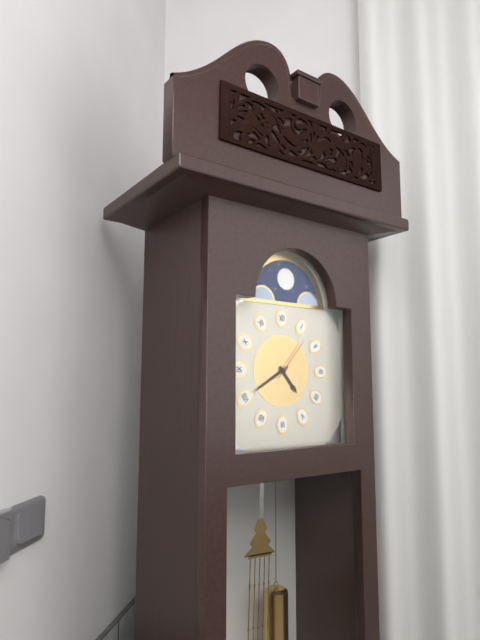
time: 4:40
